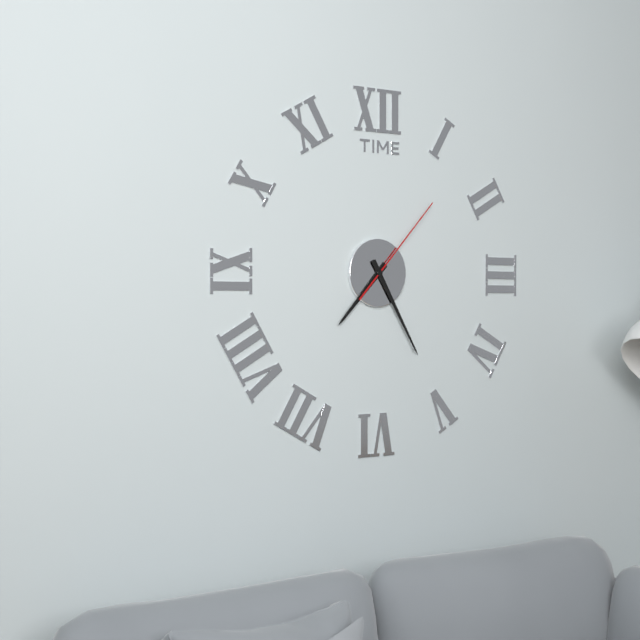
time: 7:25:07
